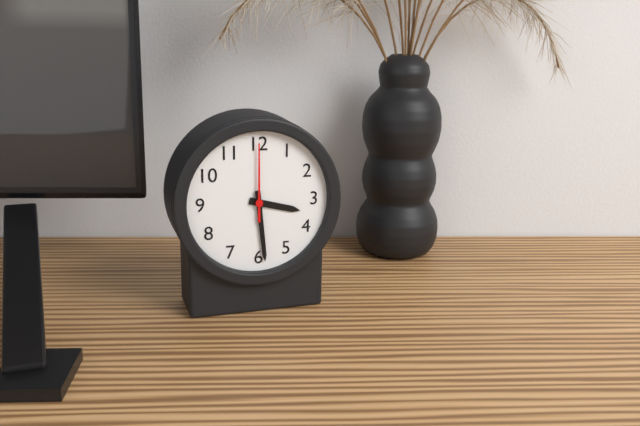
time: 3:29:00
